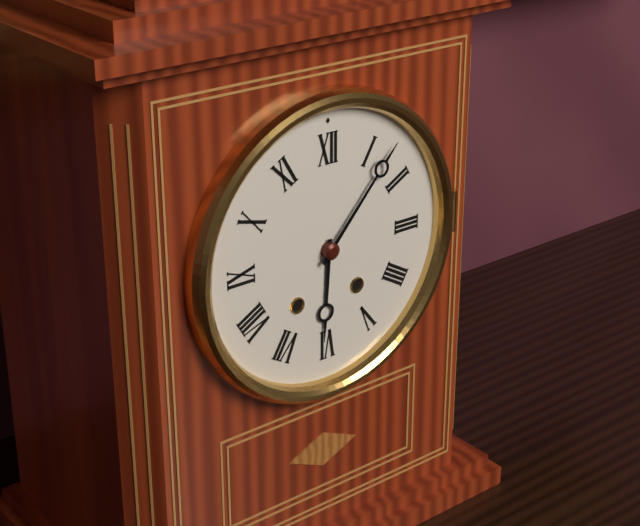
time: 6:07
